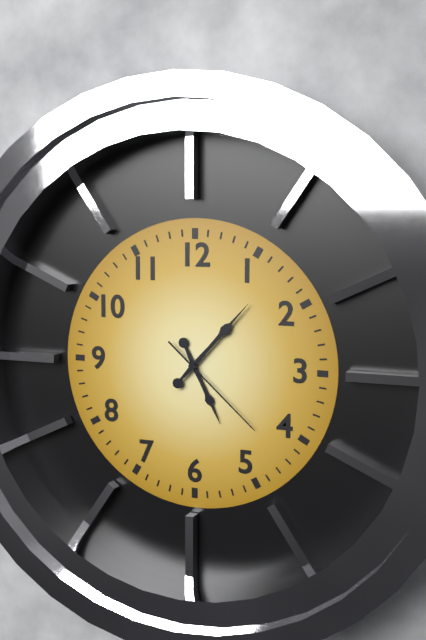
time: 5:07:22
